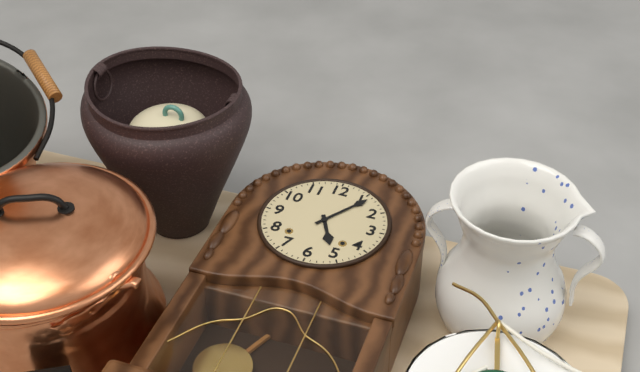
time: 5:06
